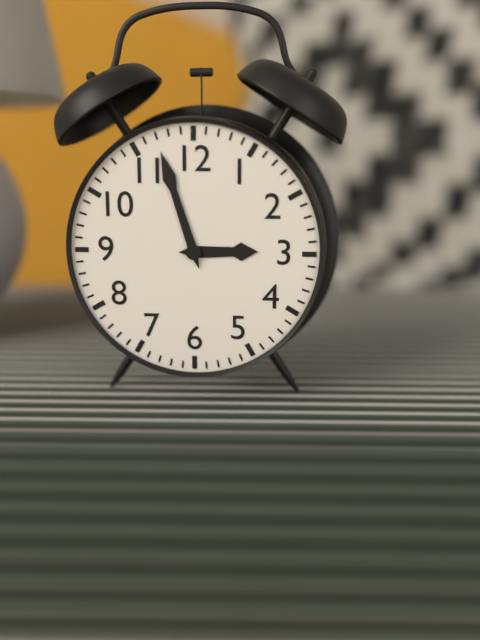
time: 2:57
